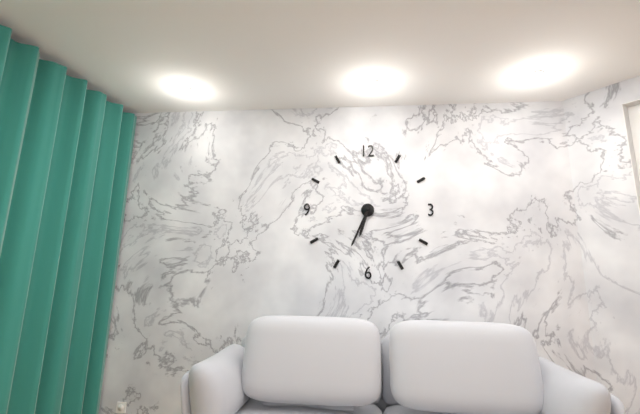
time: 6:34
